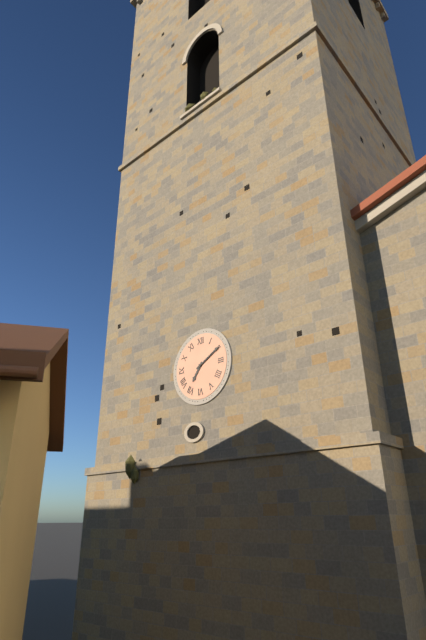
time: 7:10
